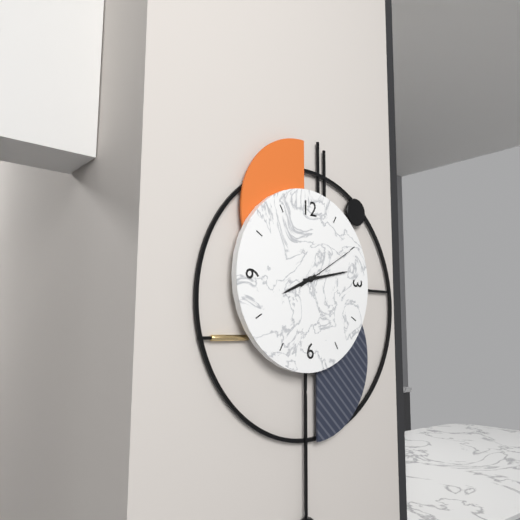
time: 8:13:10
